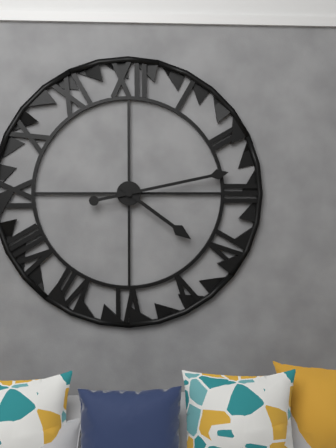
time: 4:13
